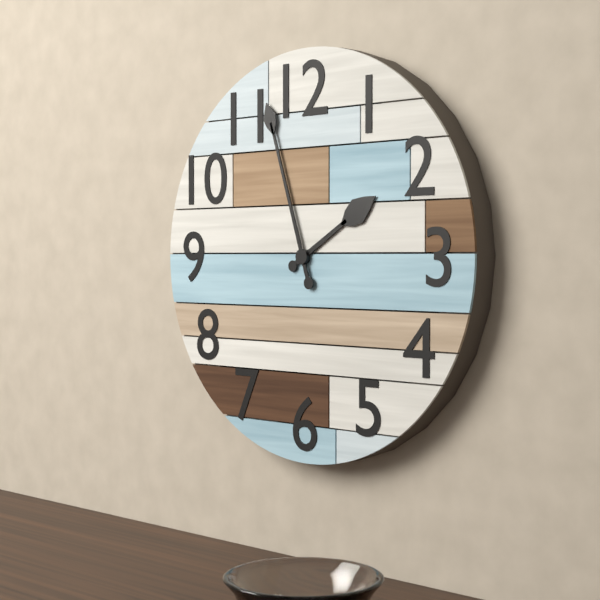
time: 1:57
